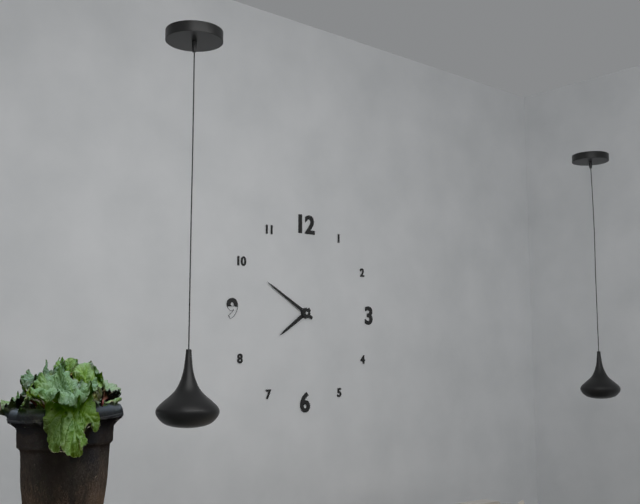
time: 7:50
